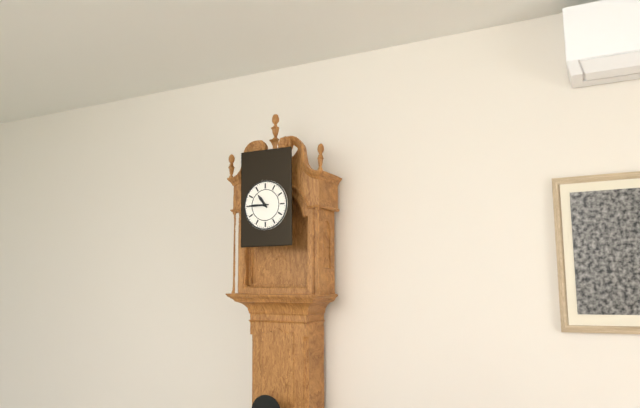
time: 10:45
